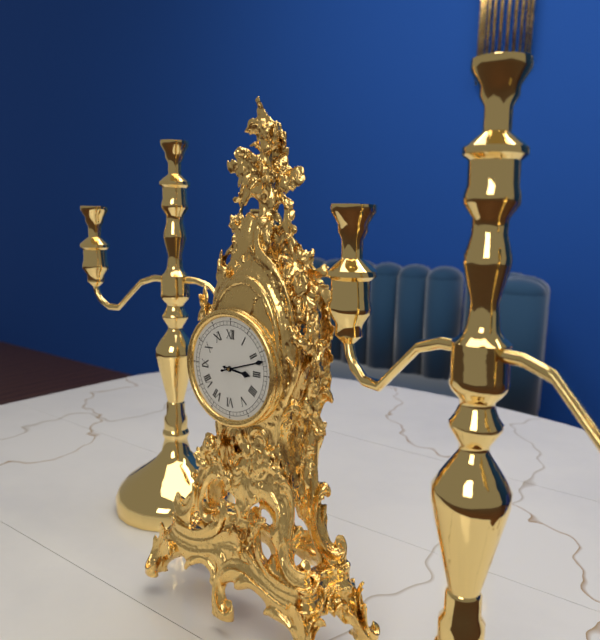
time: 3:12
